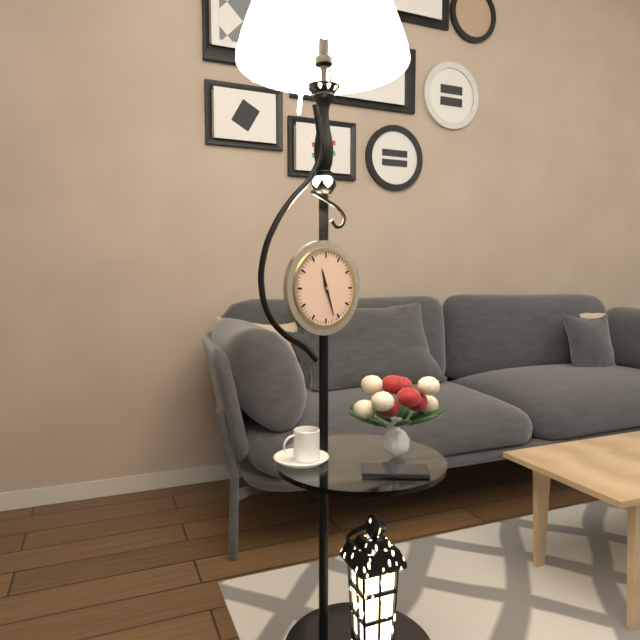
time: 11:27
